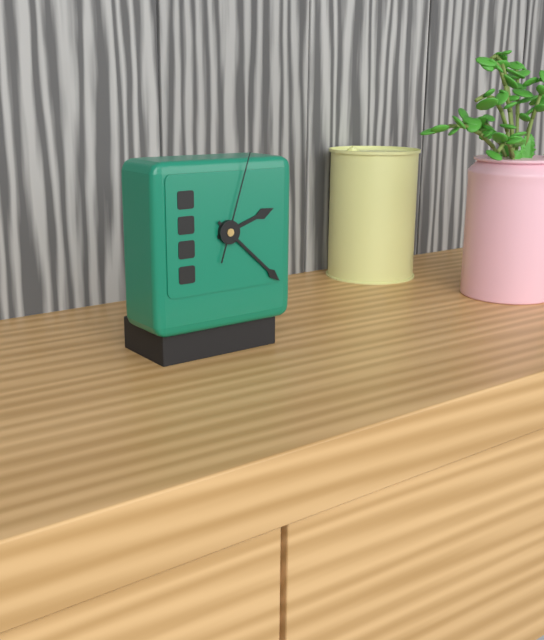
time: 2:22:03
